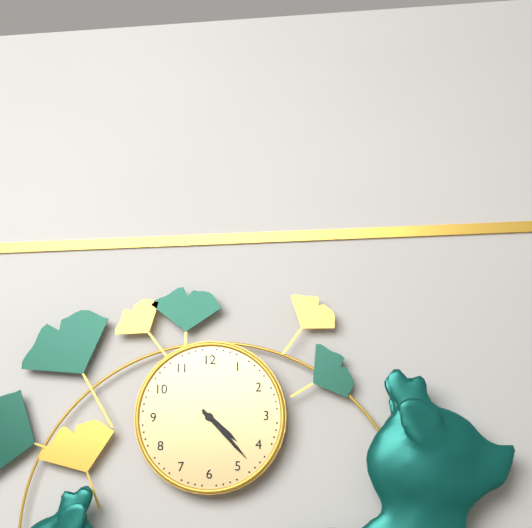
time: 4:23
